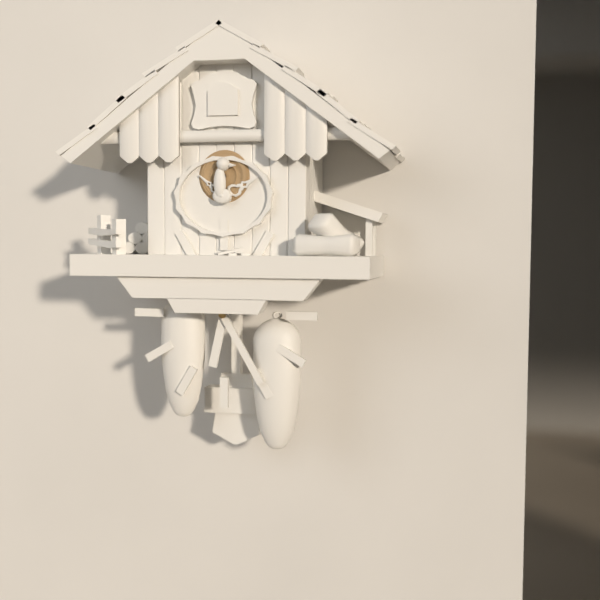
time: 6:25
